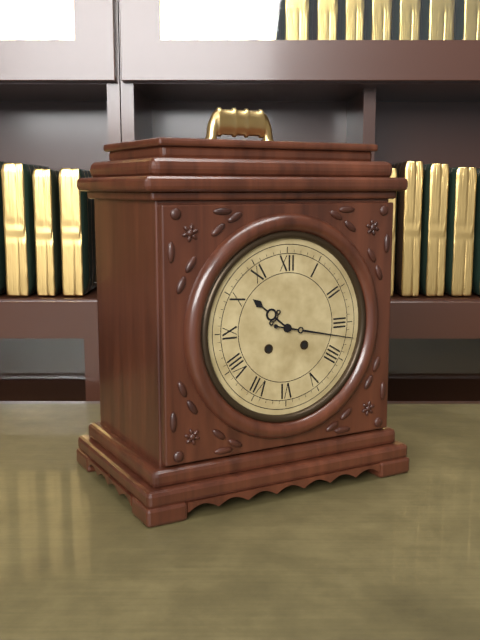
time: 10:17
